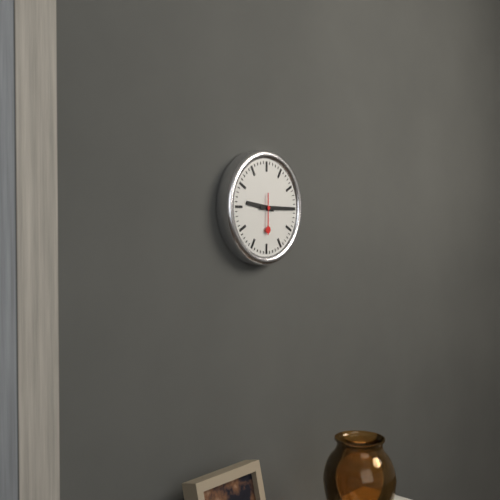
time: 9:15
